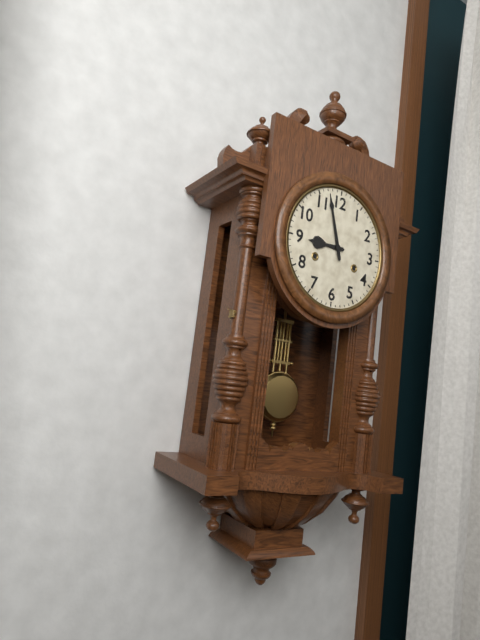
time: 8:57
